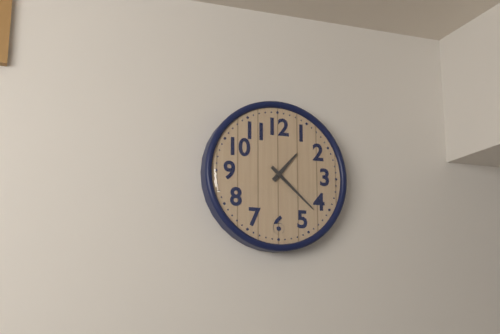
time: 1:22
